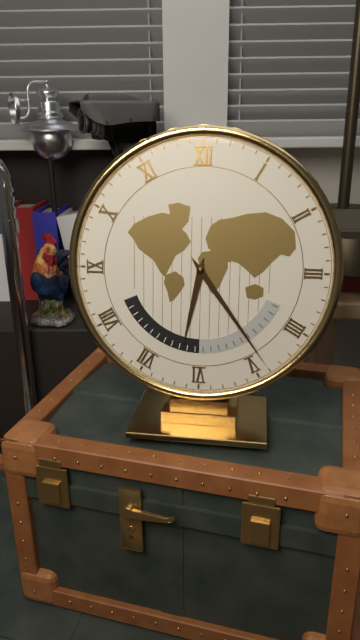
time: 6:24
